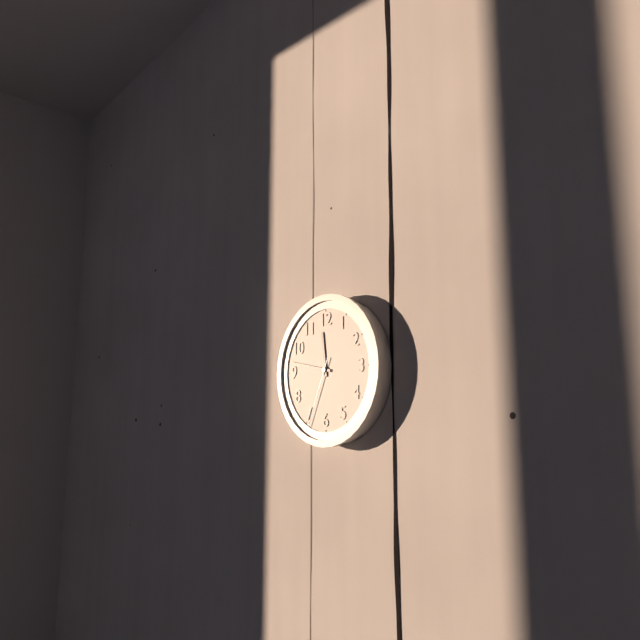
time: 11:47:34
